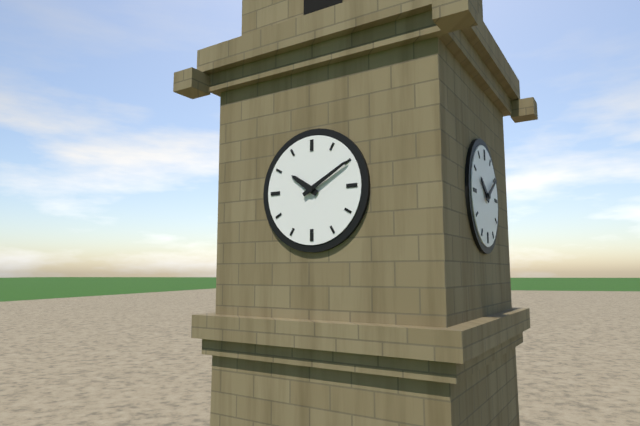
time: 10:10
